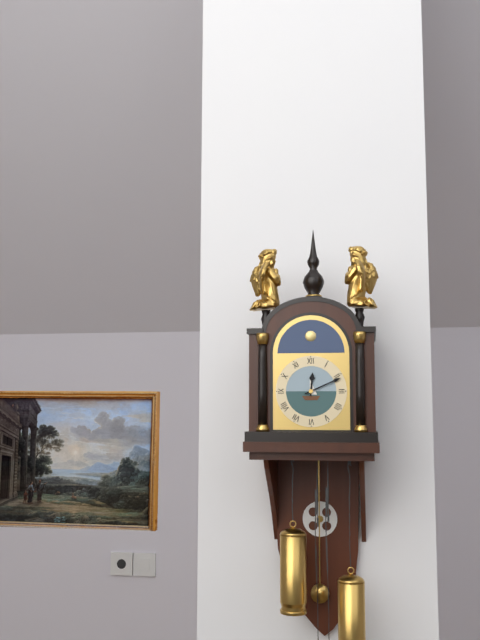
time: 12:11
